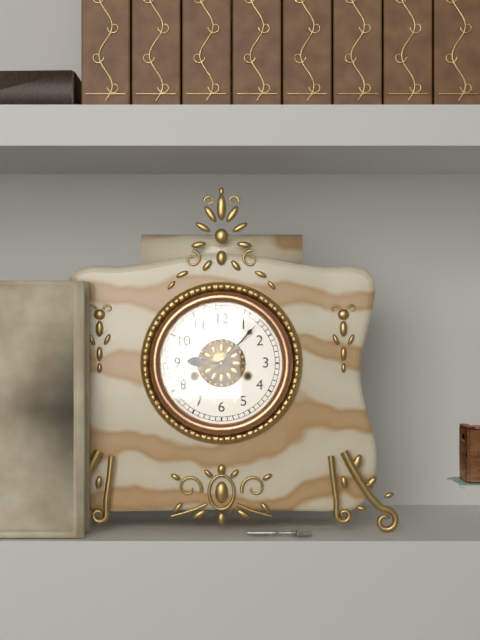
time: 9:07
